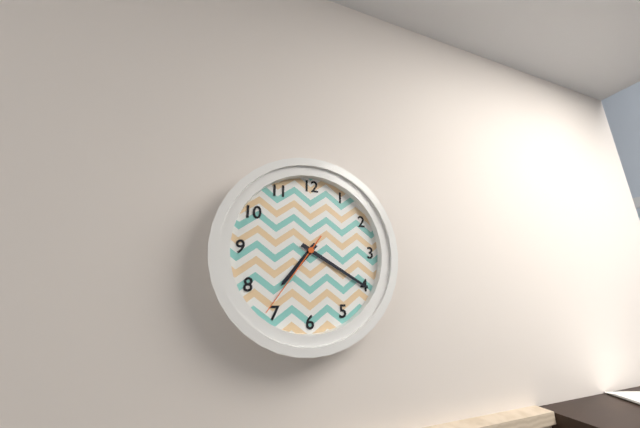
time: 7:20:36
